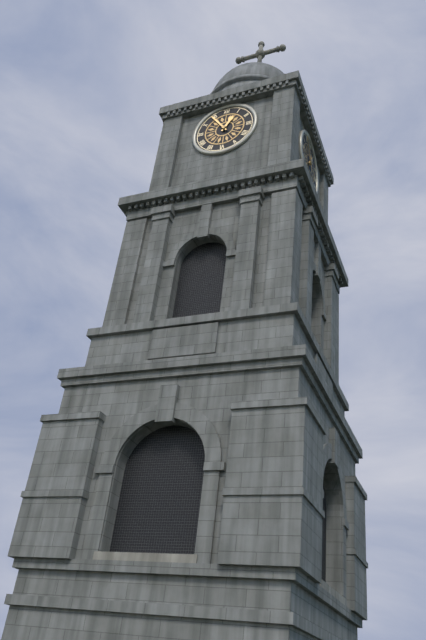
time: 12:54
